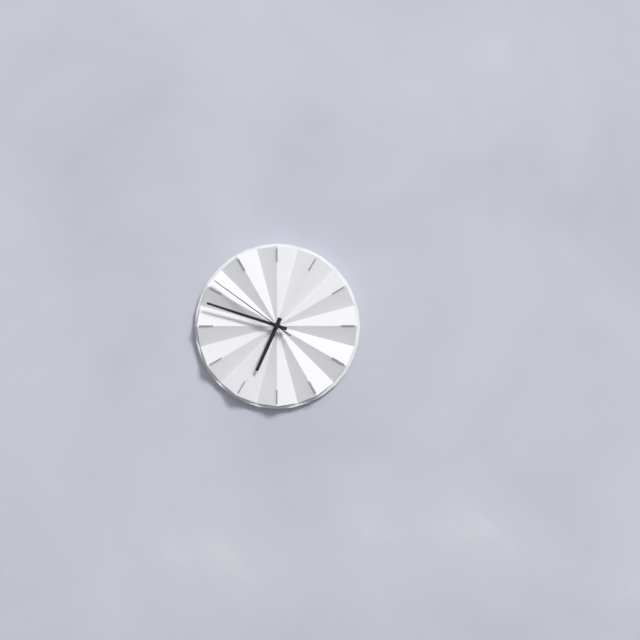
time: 6:48:51
